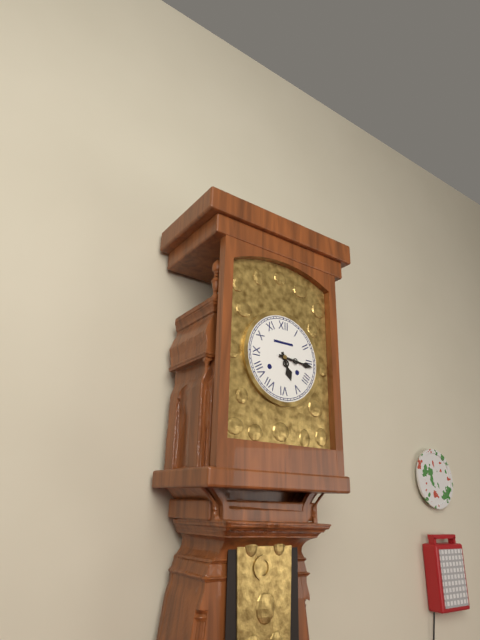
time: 5:16
